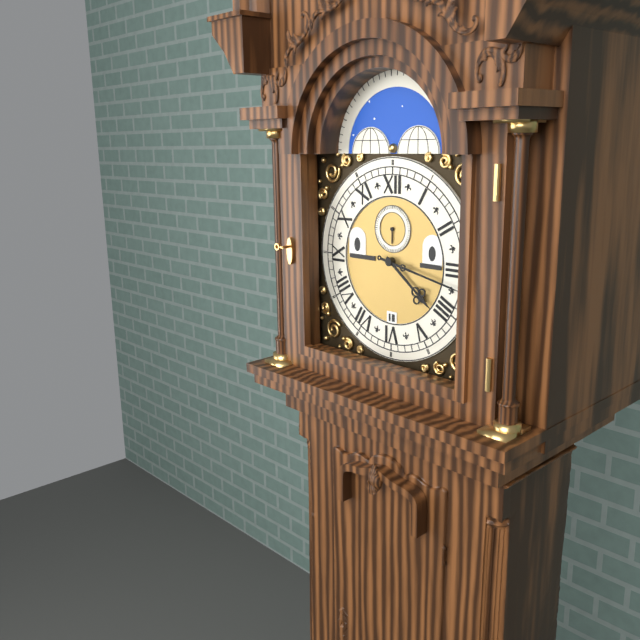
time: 4:17
